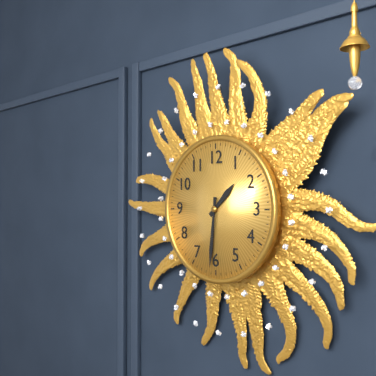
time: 1:31
